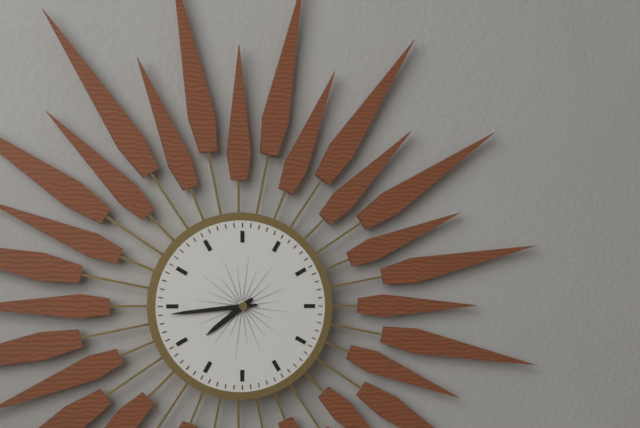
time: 7:44
